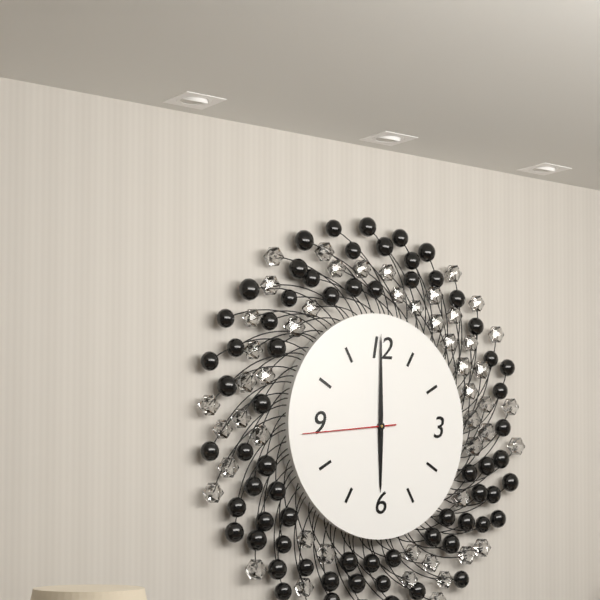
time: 6:00:44
